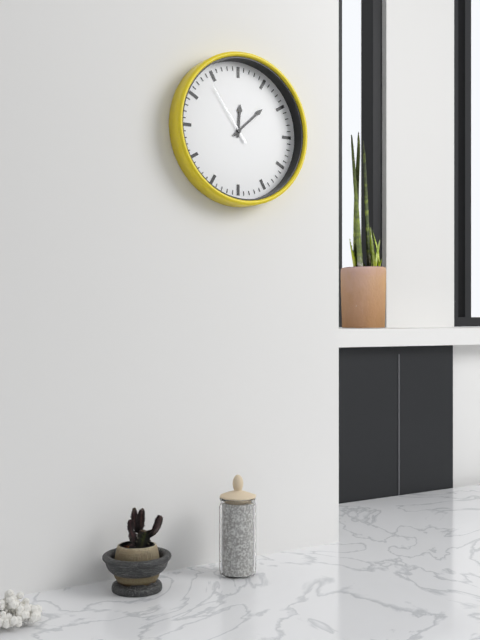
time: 12:08:54
